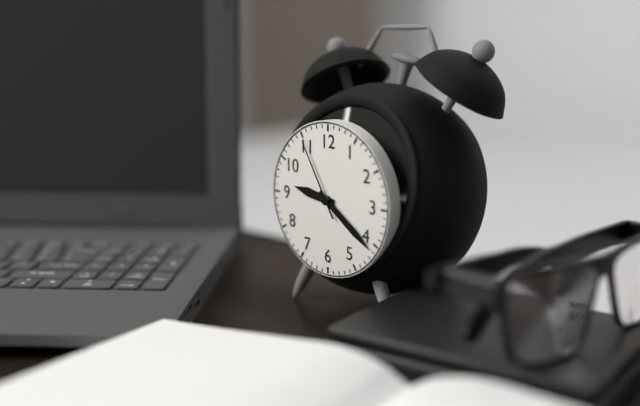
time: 9:21:55
